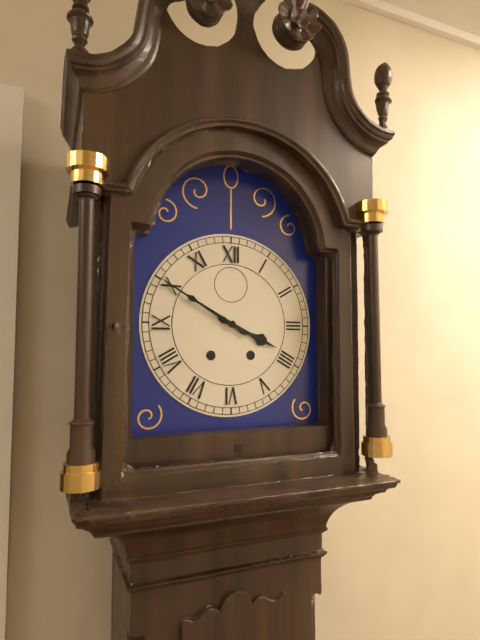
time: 3:50
